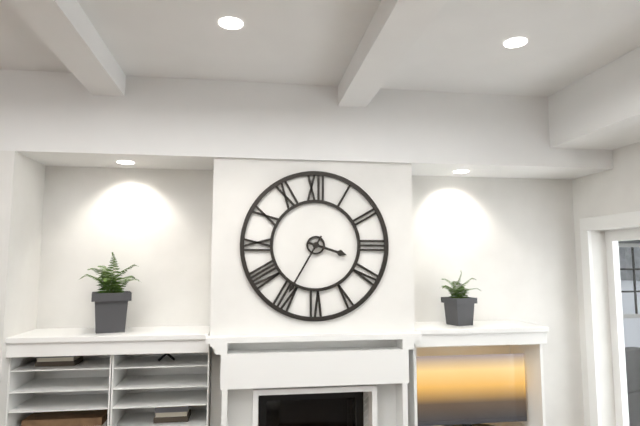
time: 3:35
